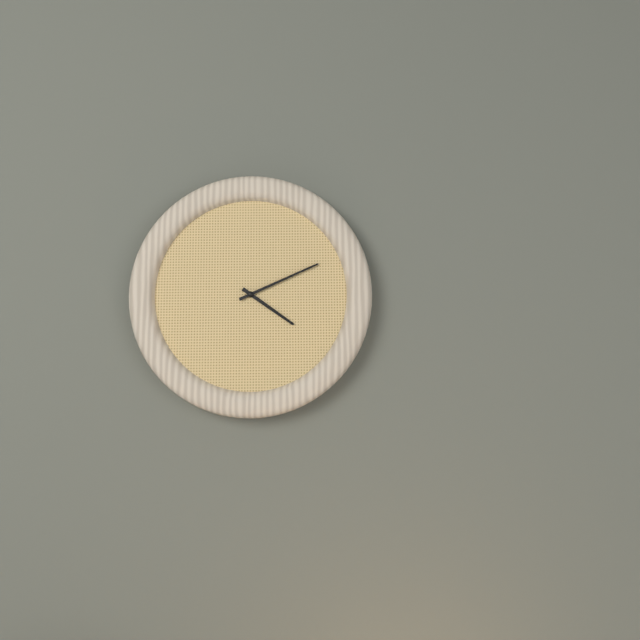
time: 4:11
